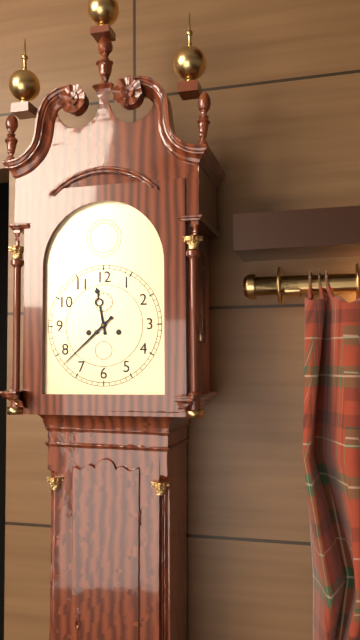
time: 11:38
